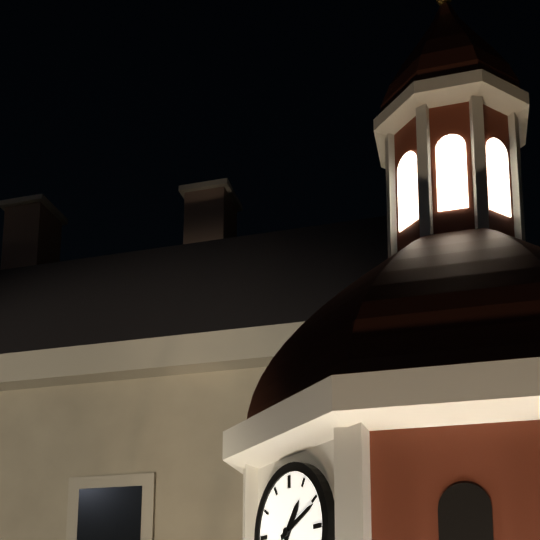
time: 1:11
